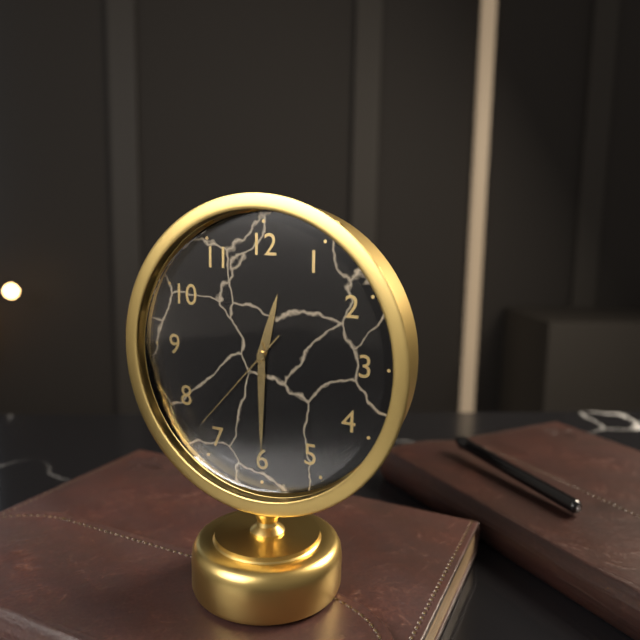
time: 12:30:37
